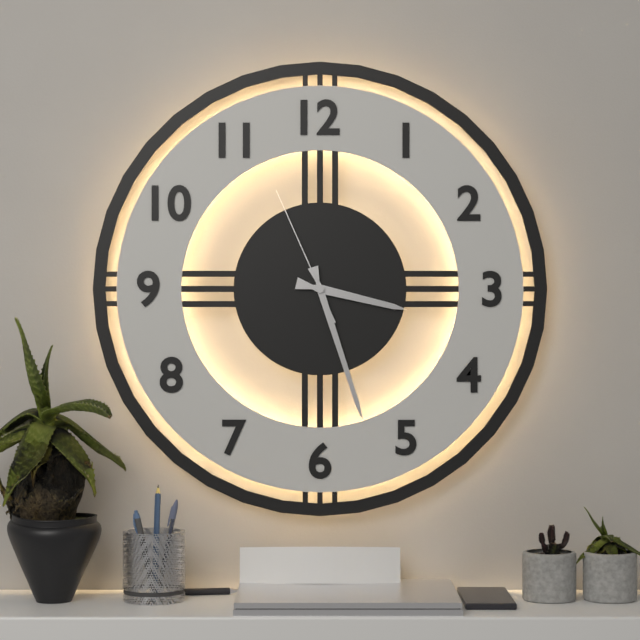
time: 3:27:56
